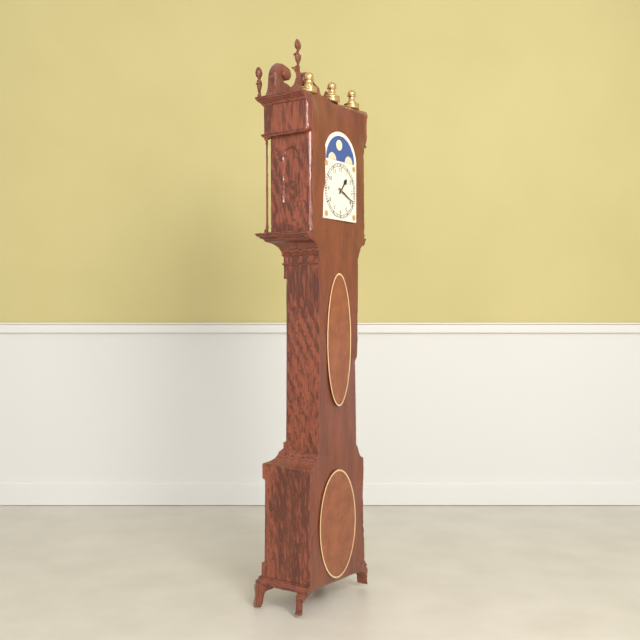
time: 1:19
